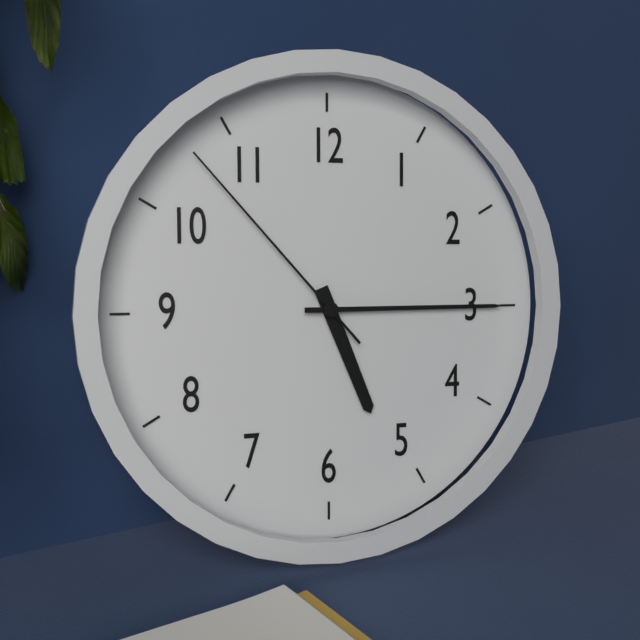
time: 5:15:53
